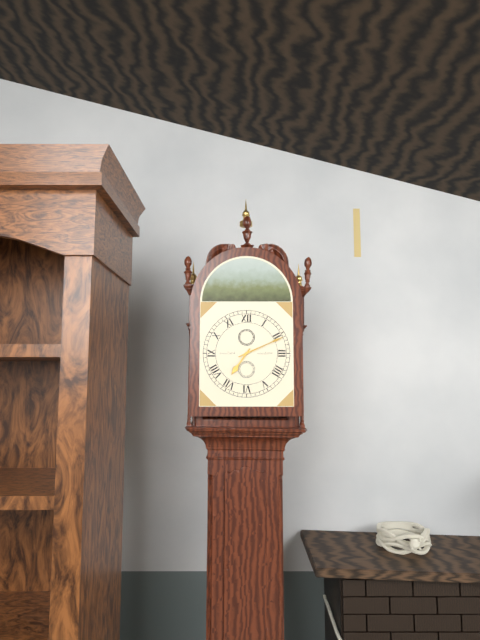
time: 7:11
